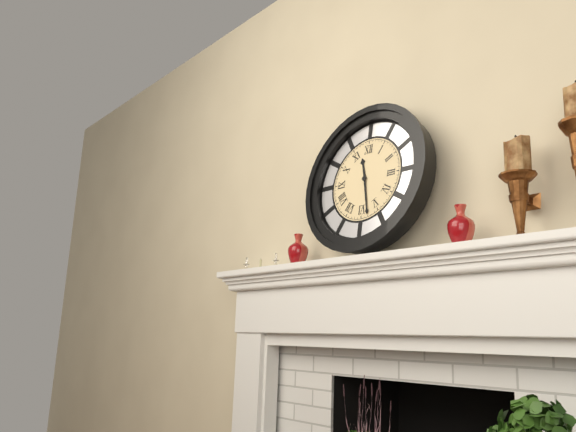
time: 11:28
